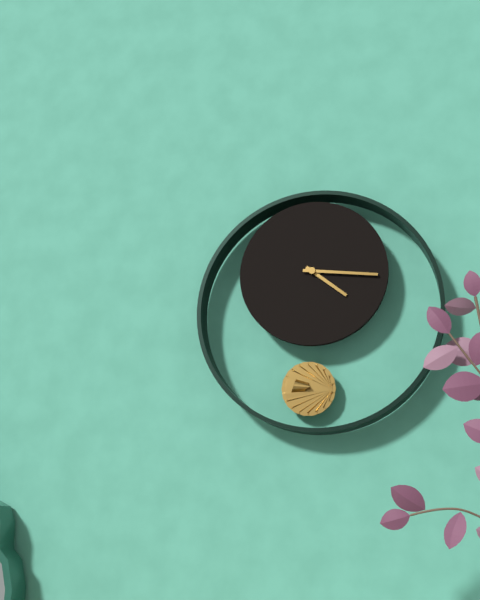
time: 4:16
